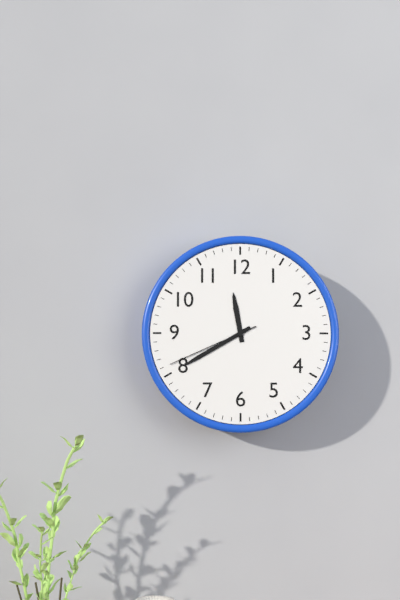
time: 11:40:41
